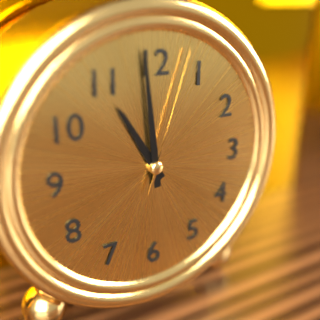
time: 10:59:03
